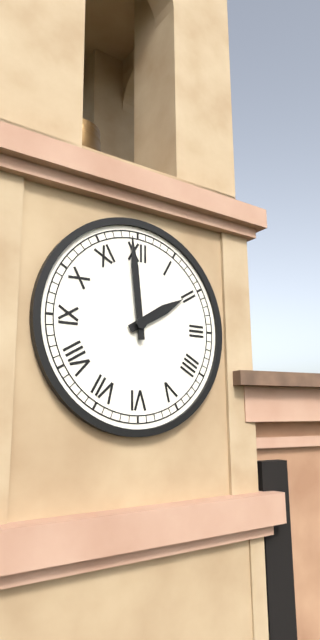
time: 1:59
